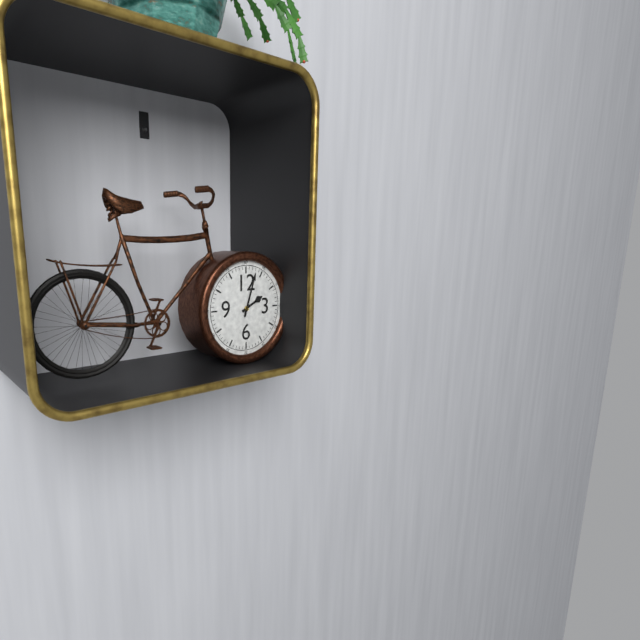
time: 2:03
